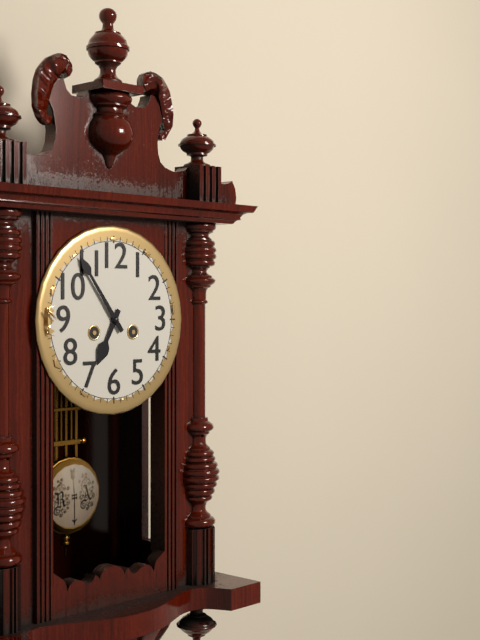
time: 6:54
